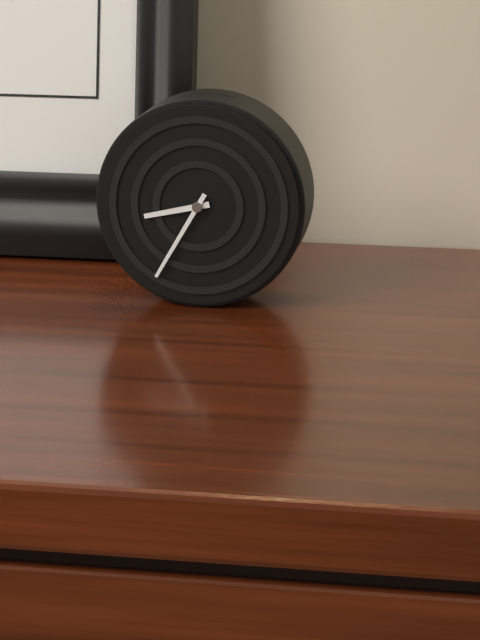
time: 8:35
